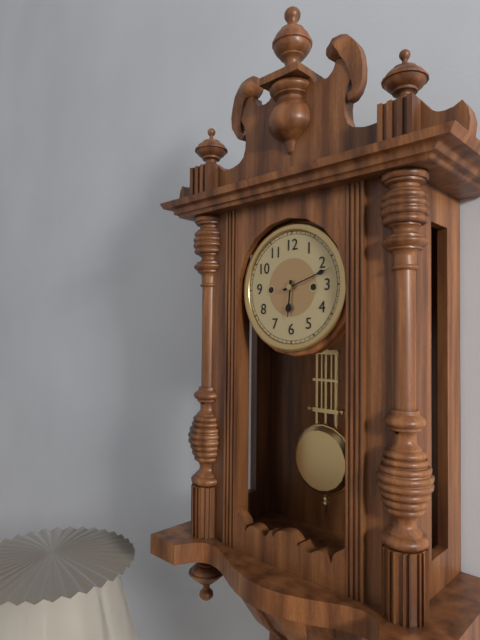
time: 6:12
